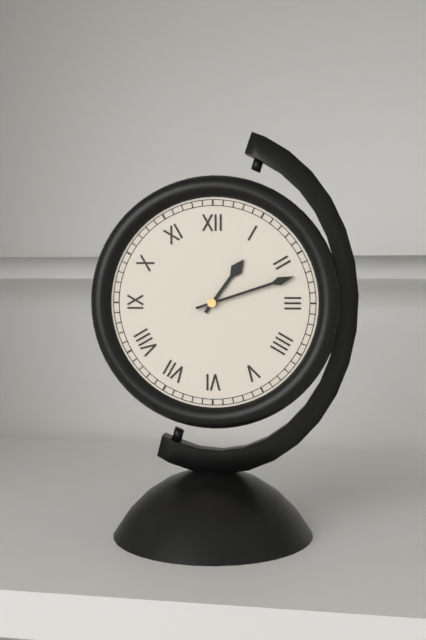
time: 1:12
